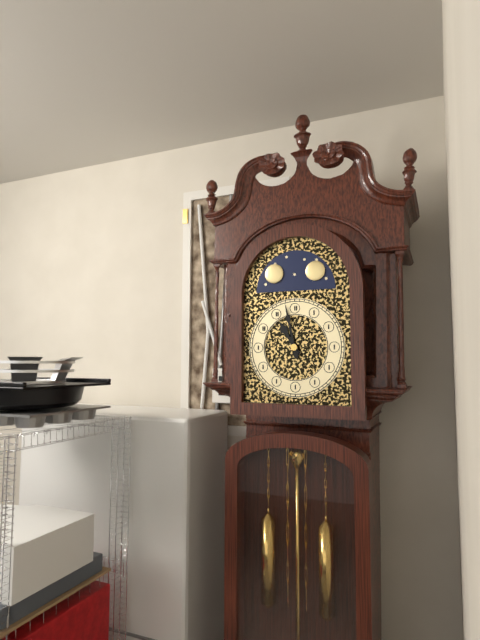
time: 10:58
